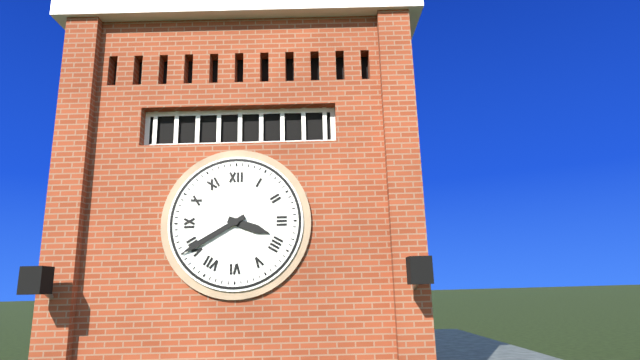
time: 3:40
